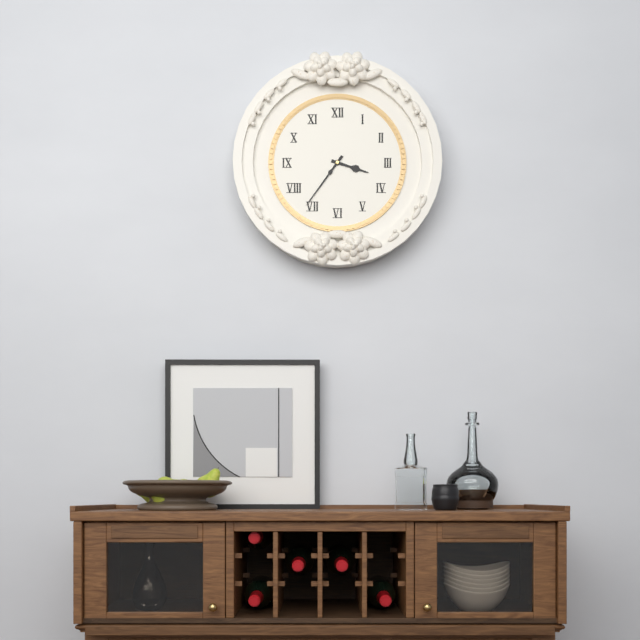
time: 3:36
